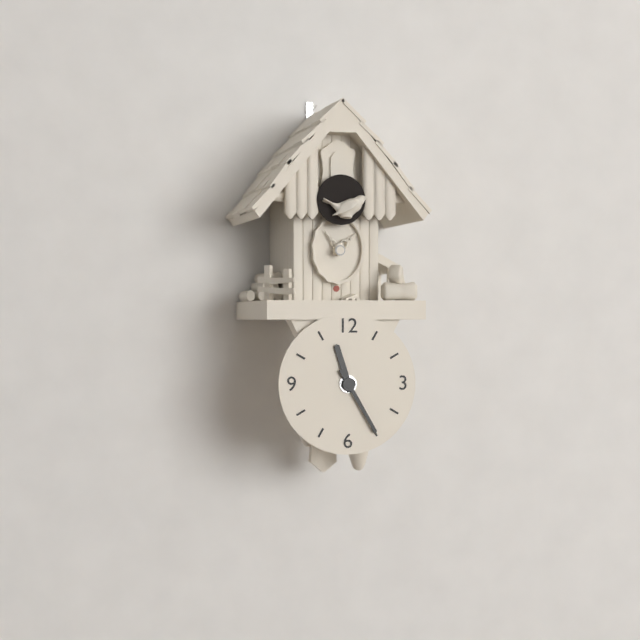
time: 11:25
